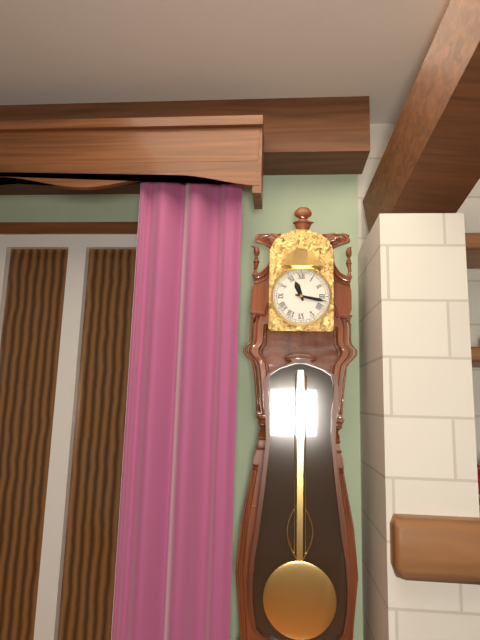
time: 11:17
